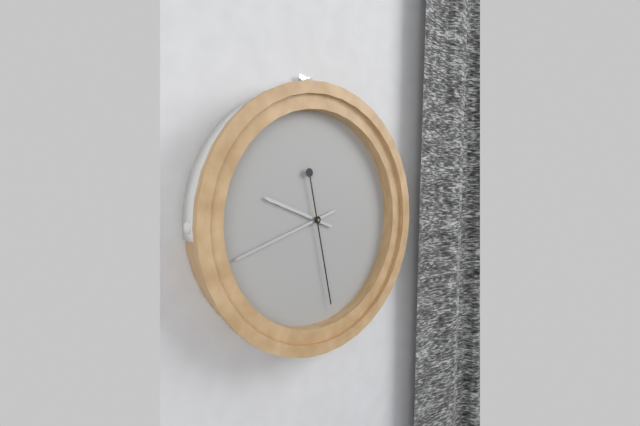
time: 9:42:28
